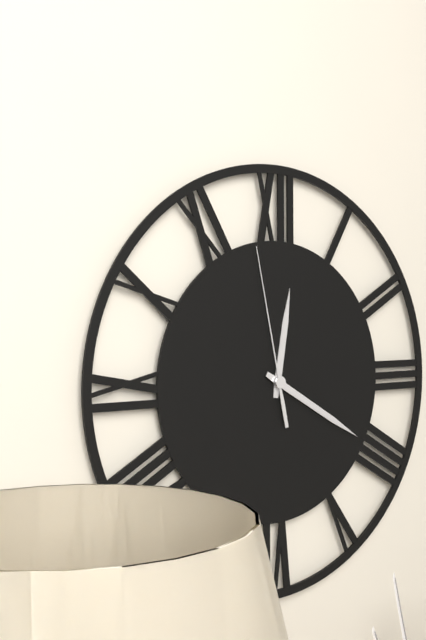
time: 12:20:58
